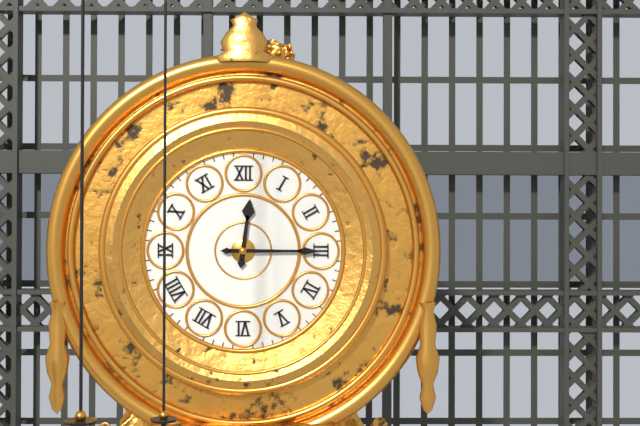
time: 12:15
